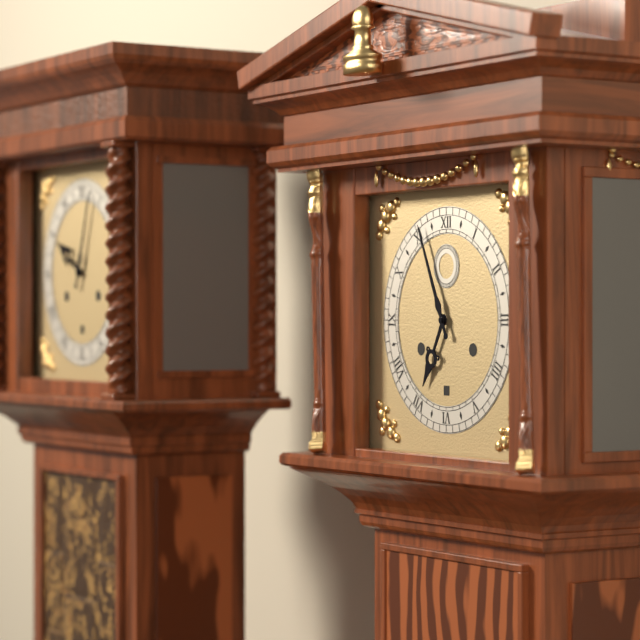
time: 6:56
